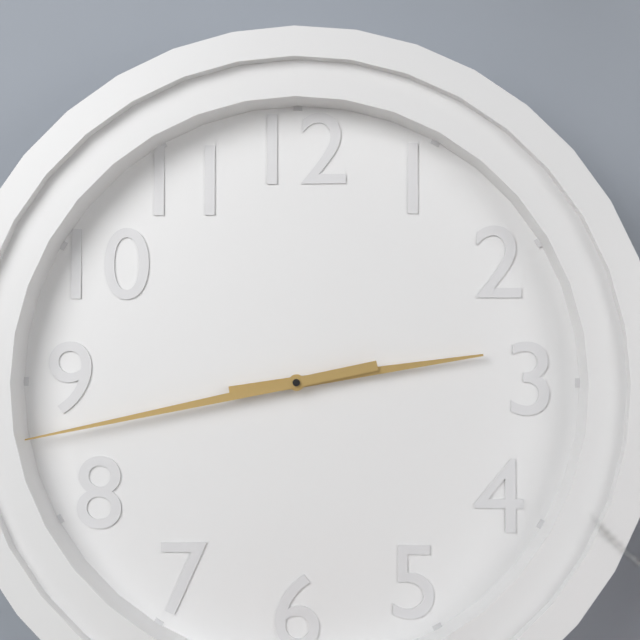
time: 2:43
